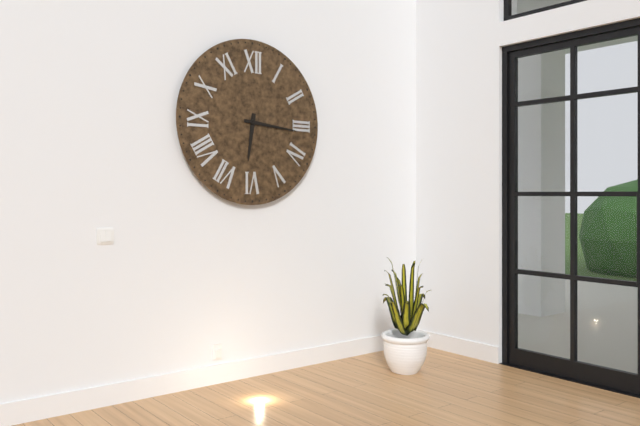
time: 6:16
